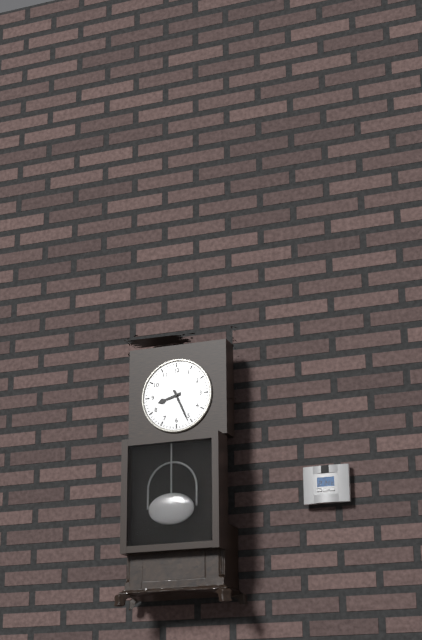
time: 8:26
